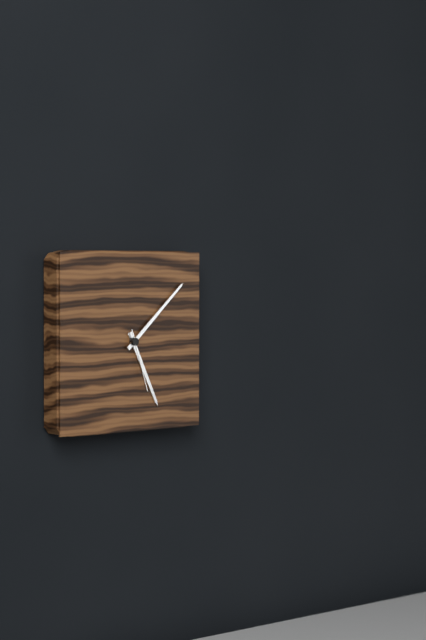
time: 5:08:27
